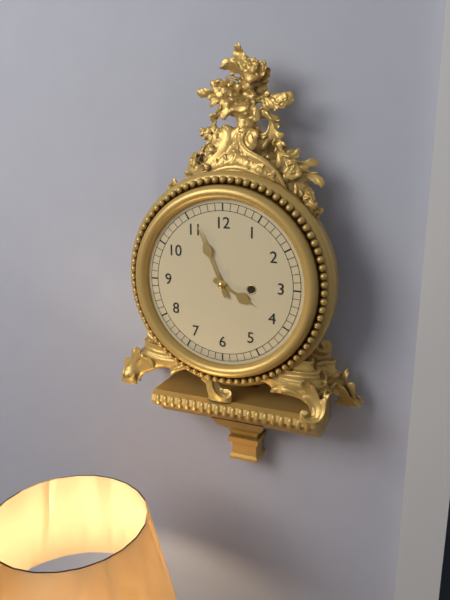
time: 3:56
